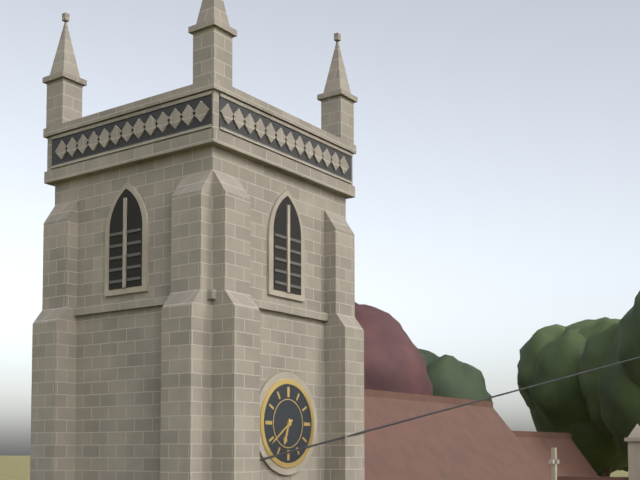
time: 6:39
